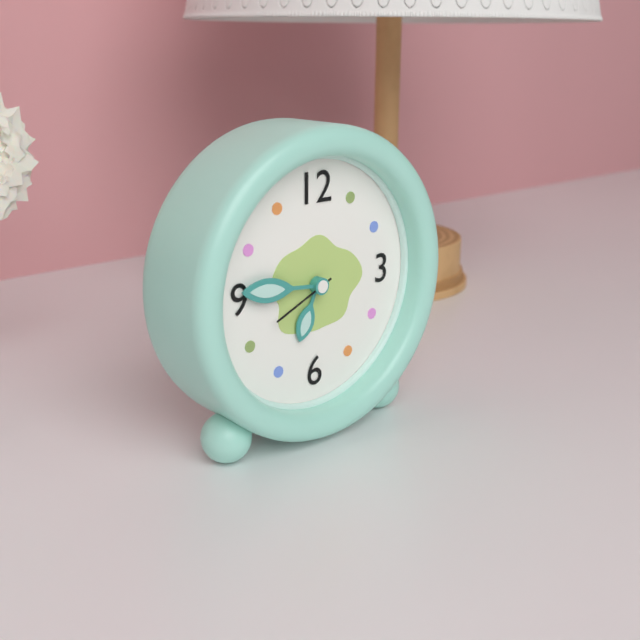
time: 6:46:41
